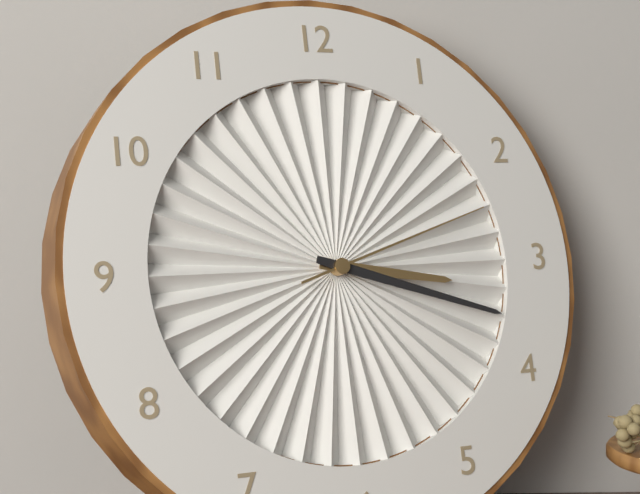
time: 3:18:12
